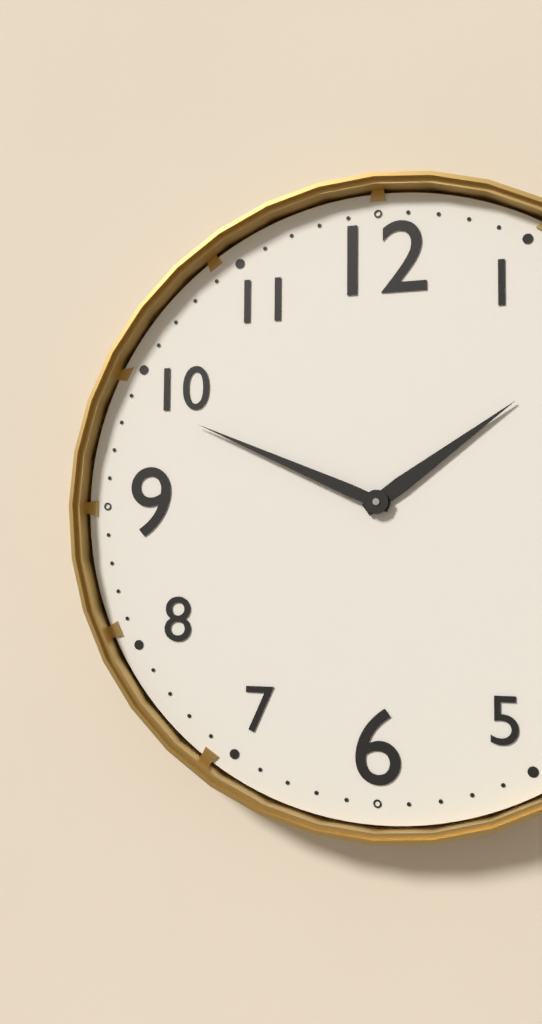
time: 1:49
